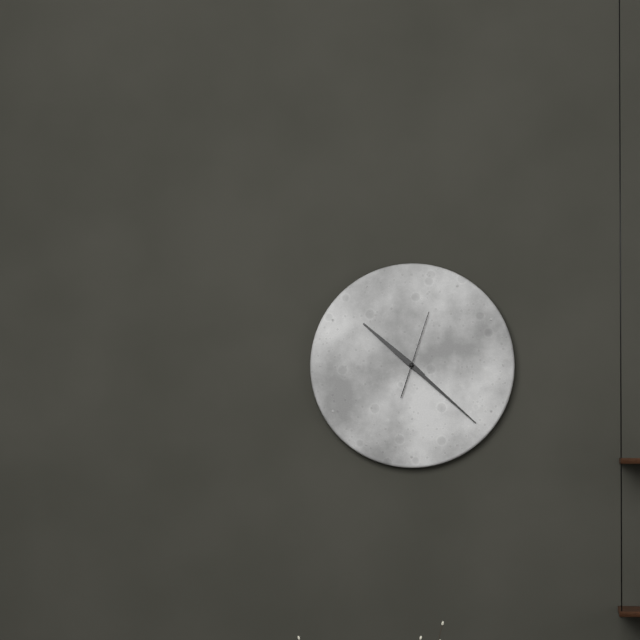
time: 10:22:03
